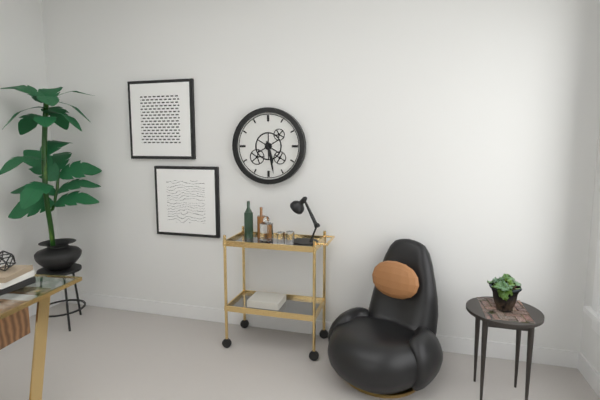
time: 5:28
